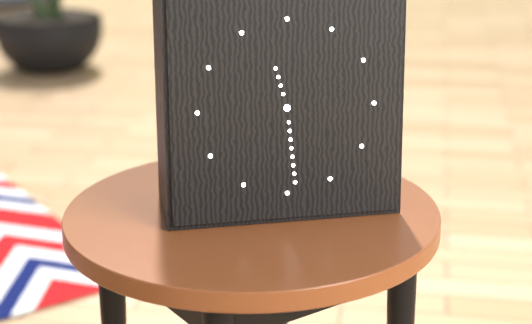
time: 11:29
